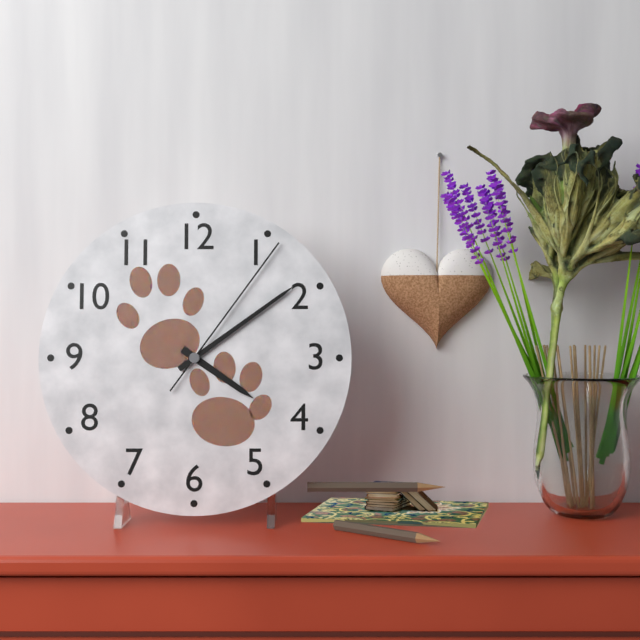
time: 4:09:06
